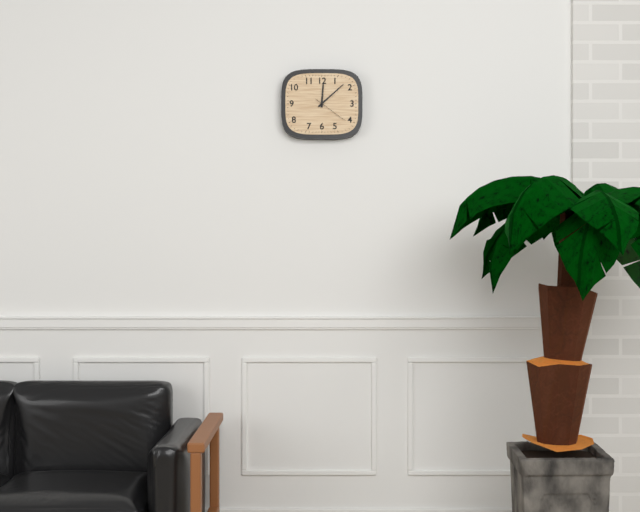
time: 12:08
